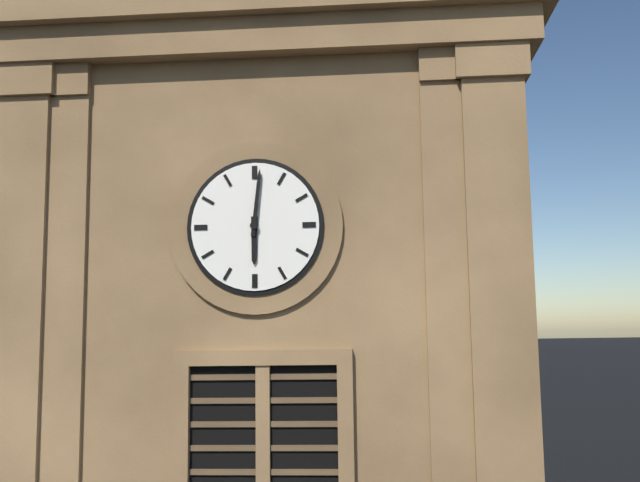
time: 6:01
